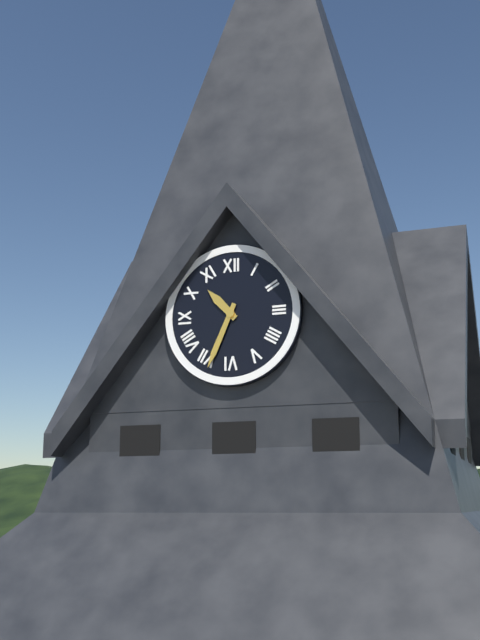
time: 10:34
